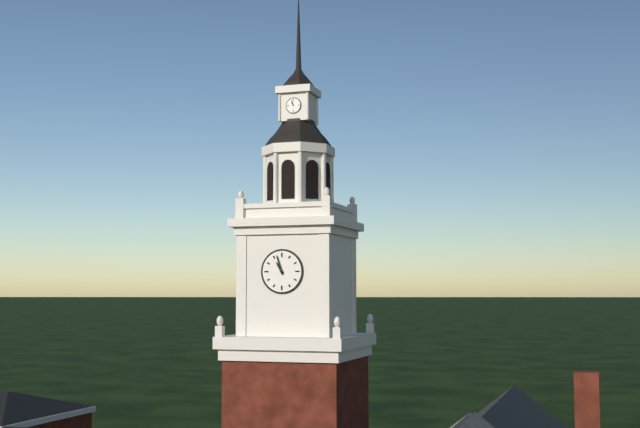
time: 10:57
